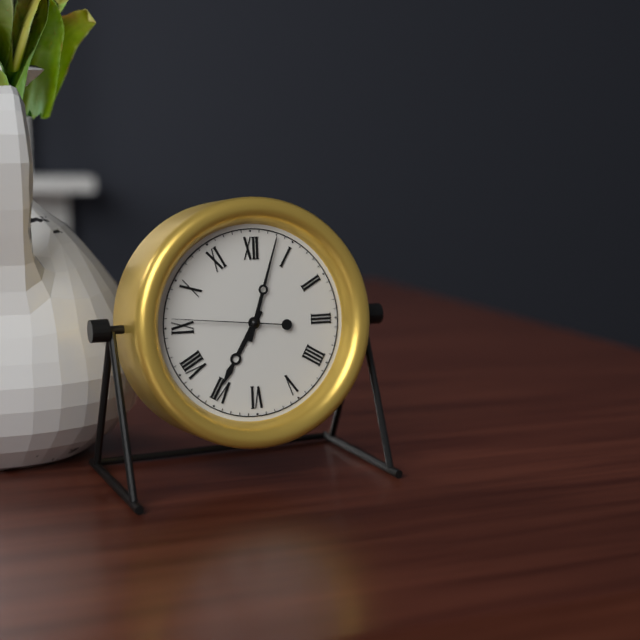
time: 7:03:46
